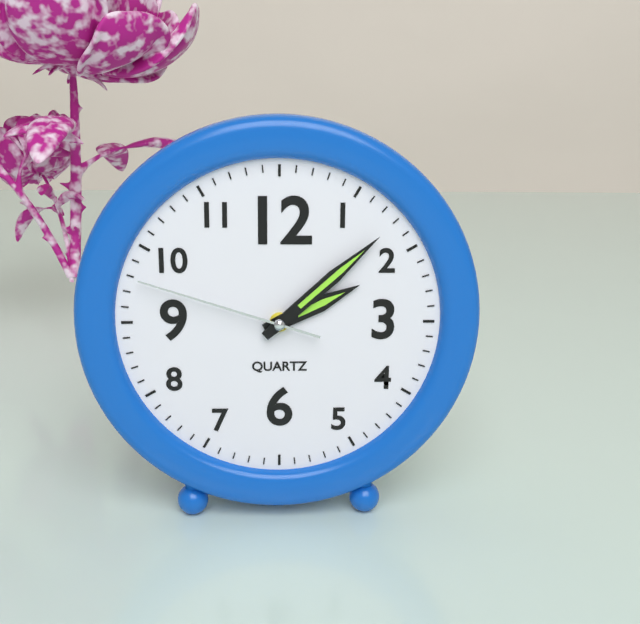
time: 2:08:48
